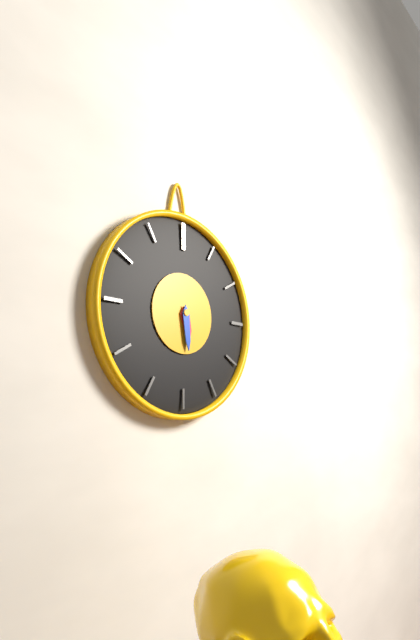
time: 5:29
